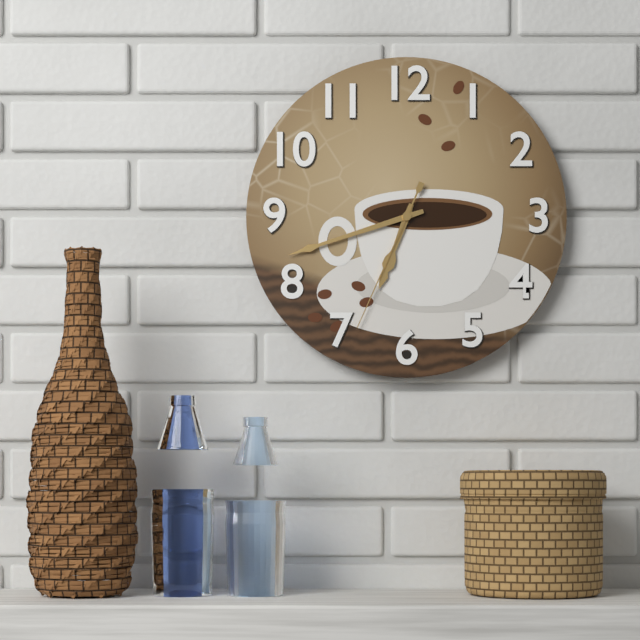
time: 6:42:34
